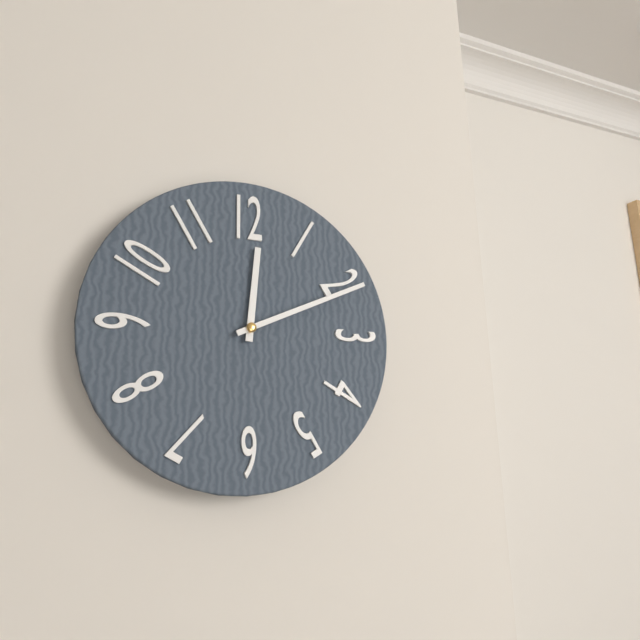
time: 12:11
